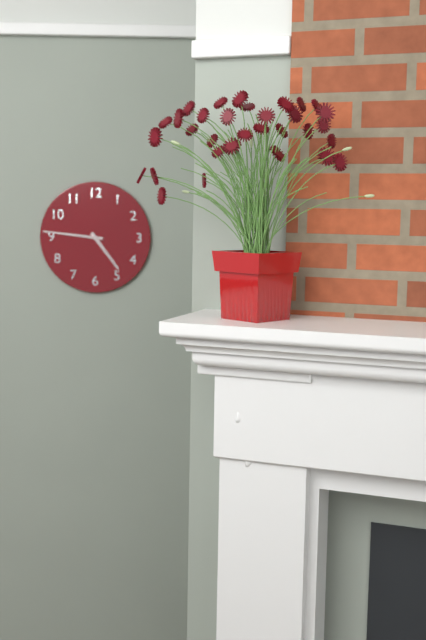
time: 4:46
